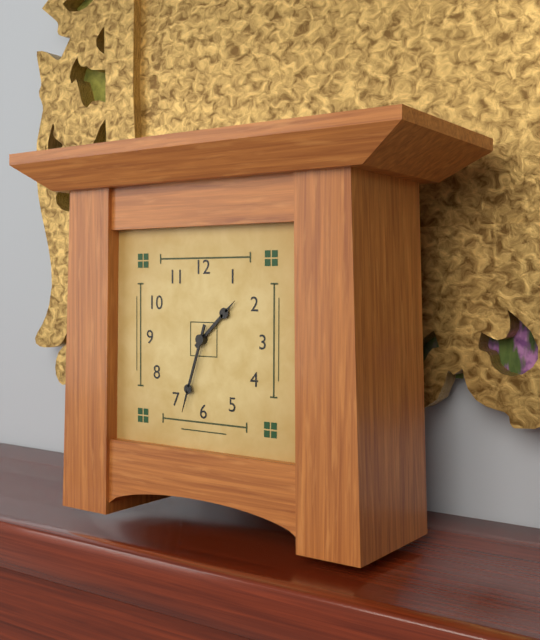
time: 1:33
